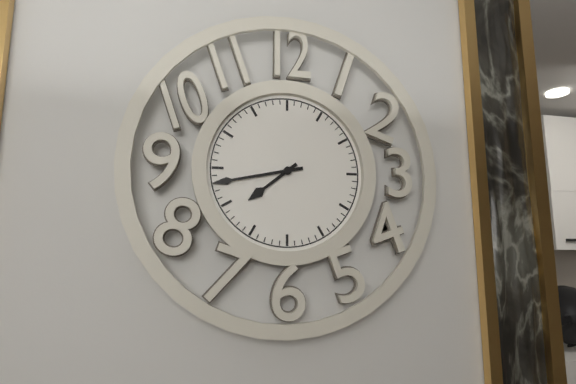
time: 7:43
